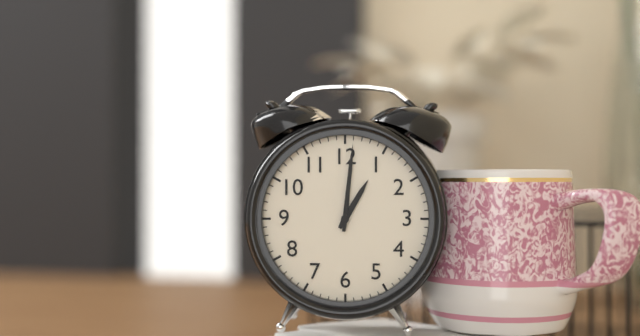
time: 1:01
